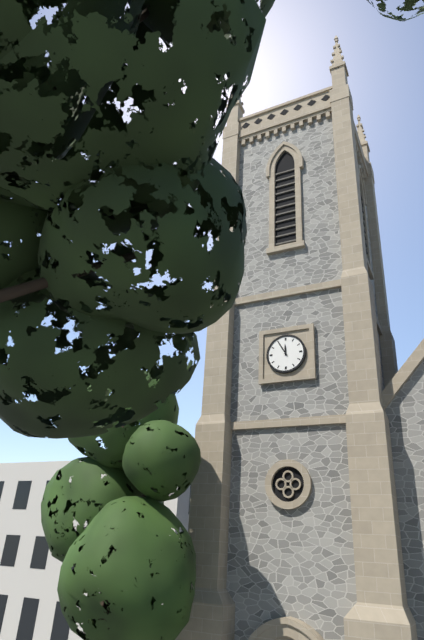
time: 11:55
